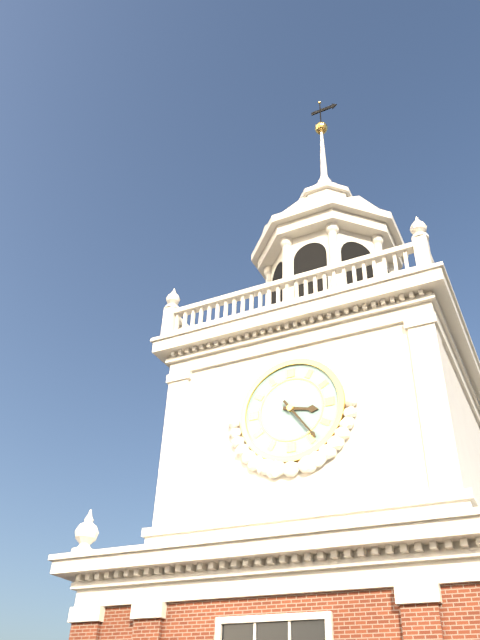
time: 3:24
